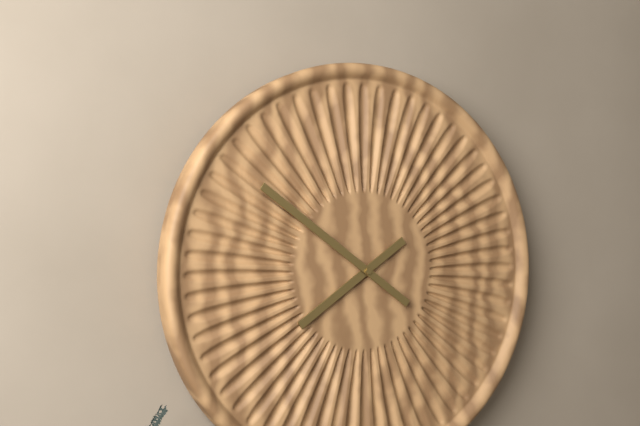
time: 7:51
